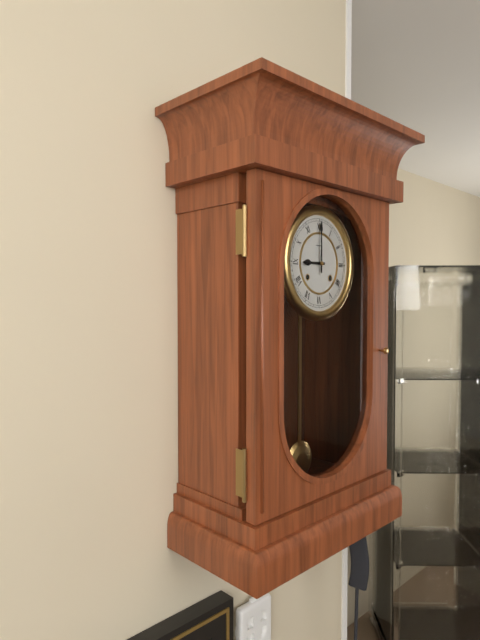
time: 9:00
